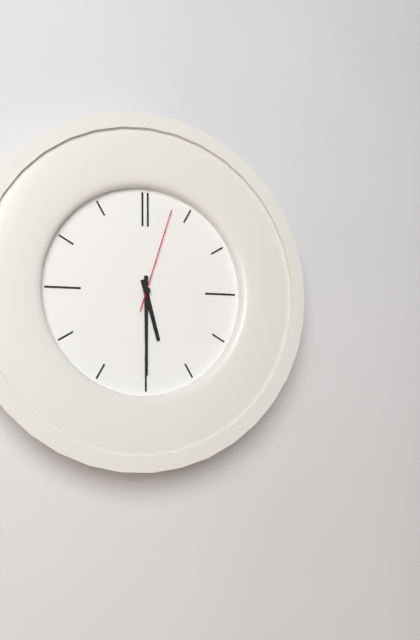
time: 5:30:03
